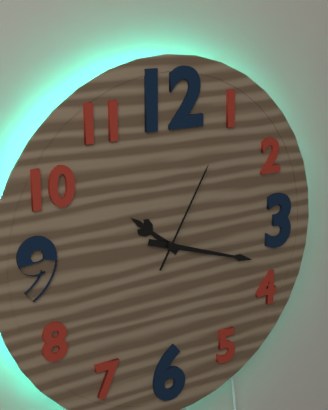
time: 10:18:05
